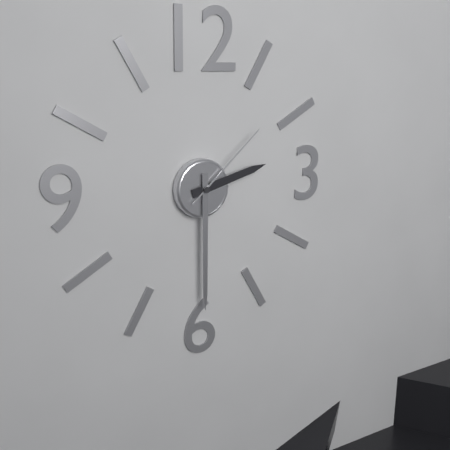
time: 2:30:08
